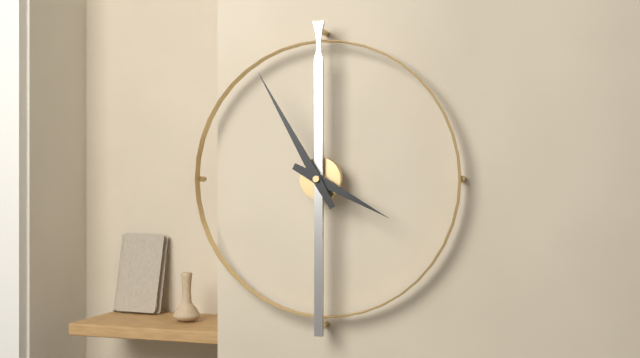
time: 3:55
